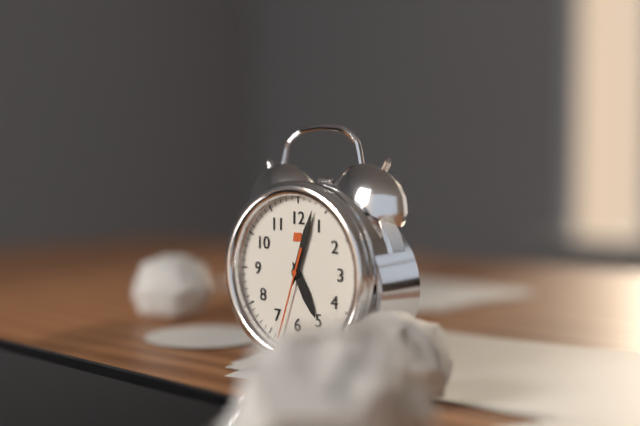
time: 5:03:33
